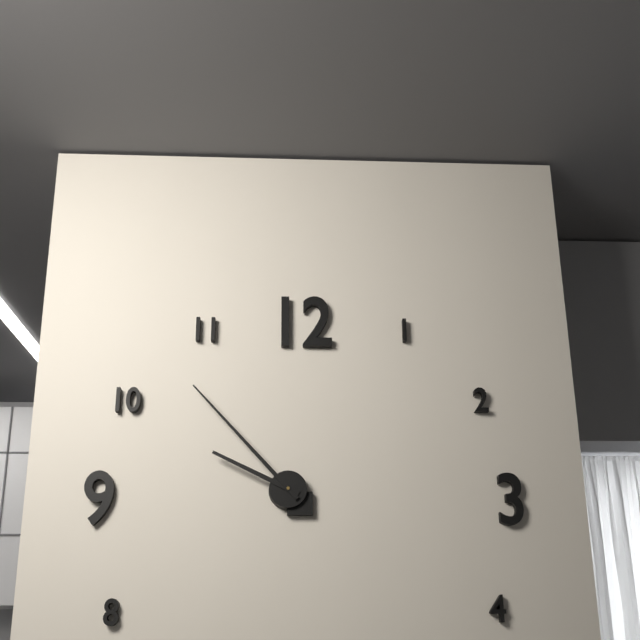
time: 9:53
